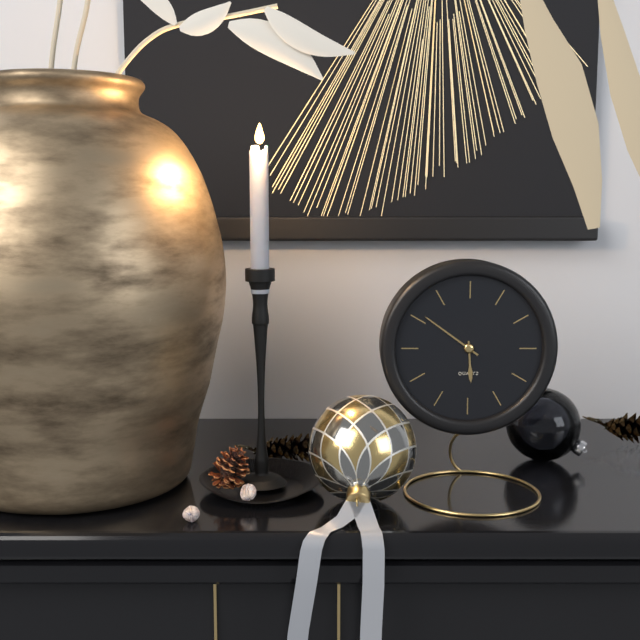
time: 5:51
